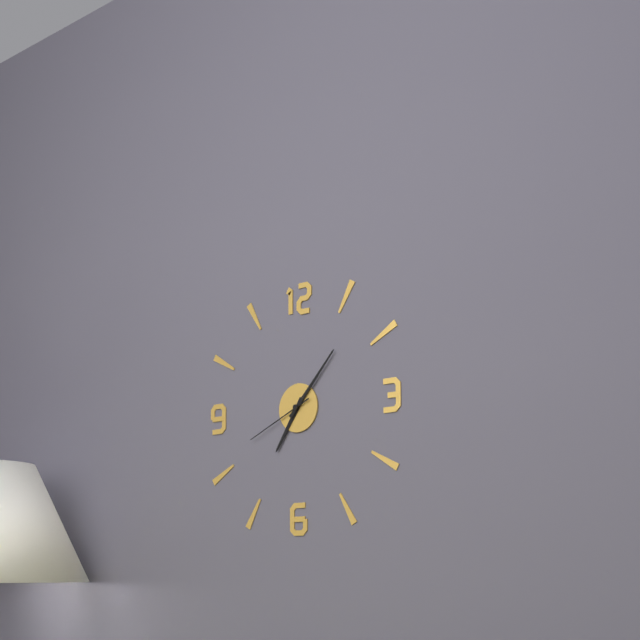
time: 7:07:41
